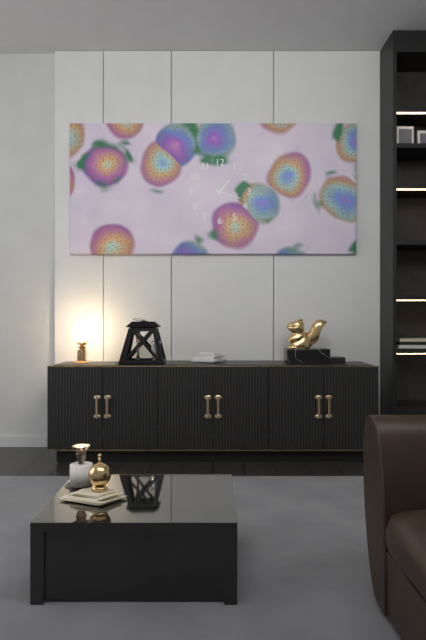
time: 1:18
